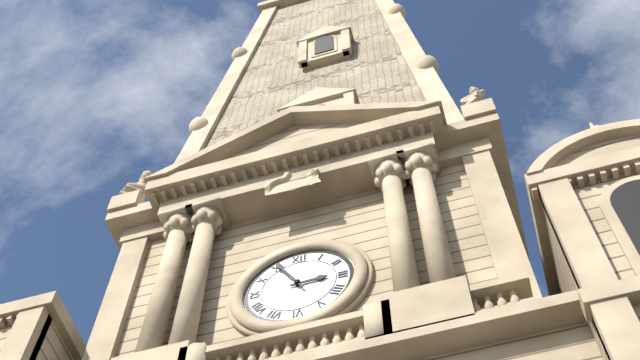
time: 2:55
